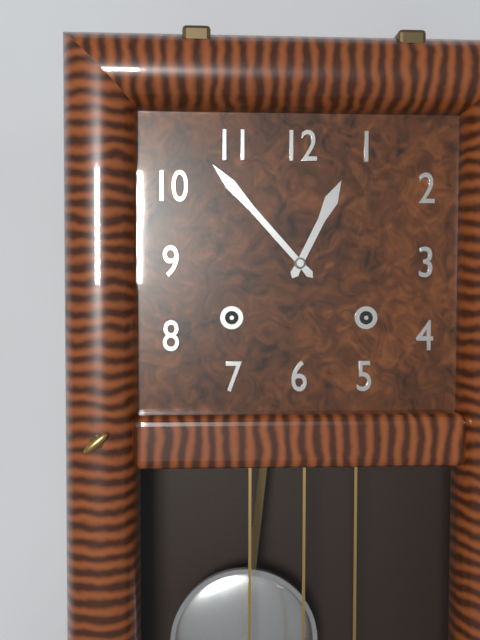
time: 12:53
